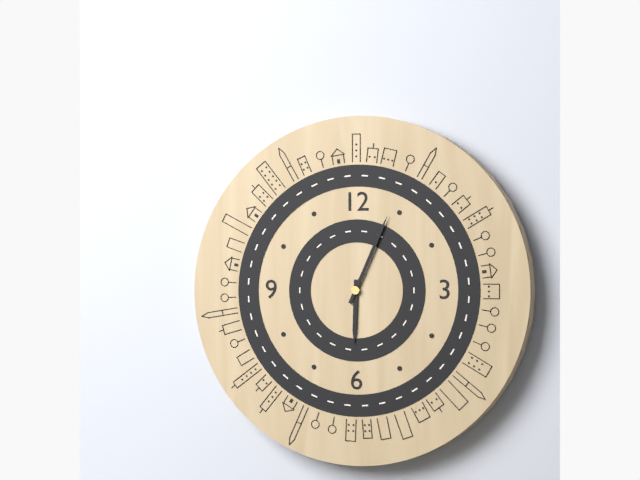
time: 6:04
